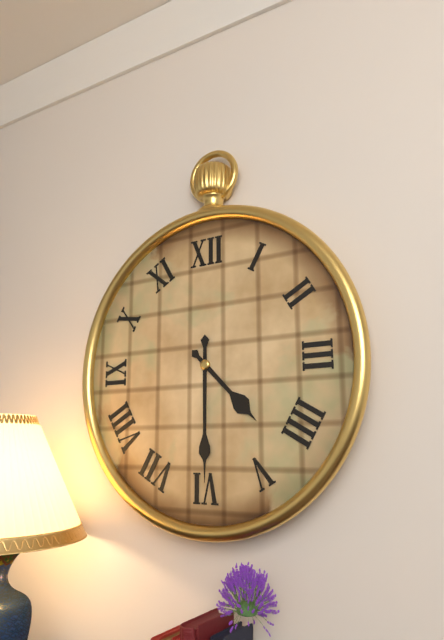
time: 4:30
